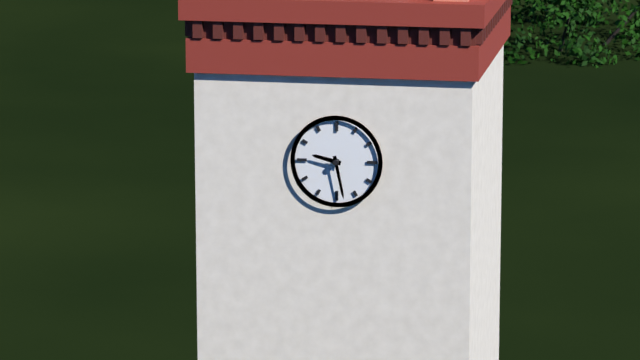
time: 9:28
